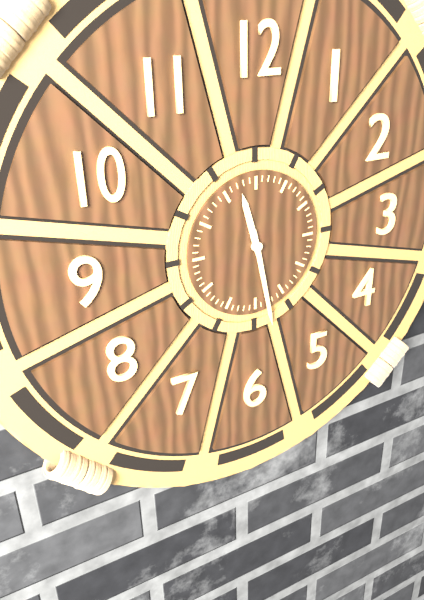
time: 11:28
